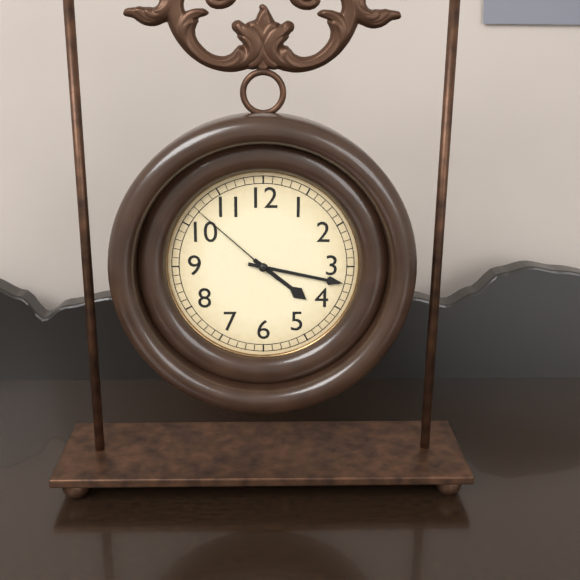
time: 4:17:52
